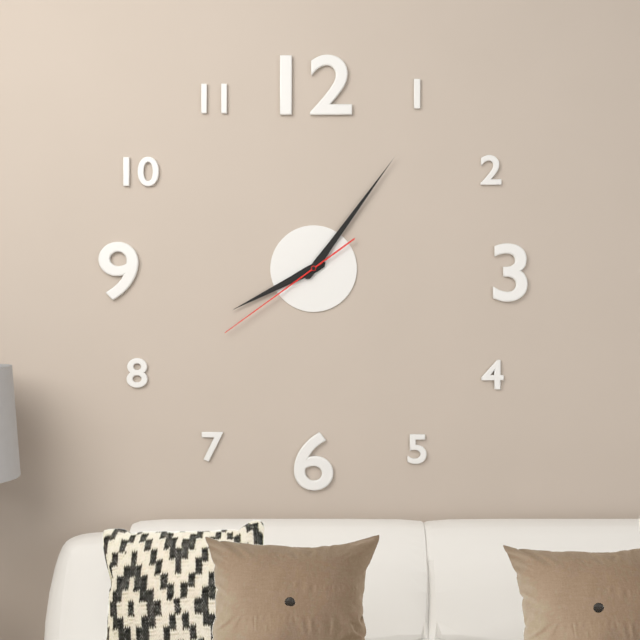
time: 8:06:39
